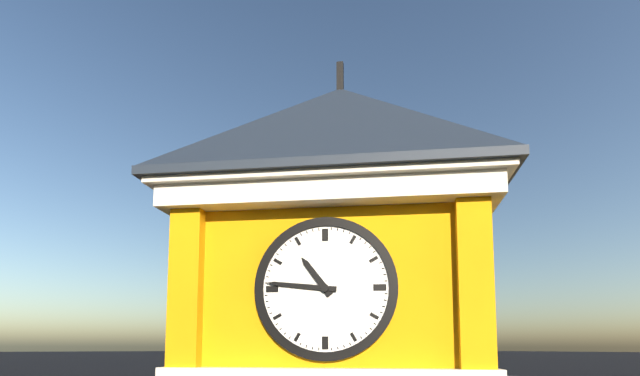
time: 10:46
